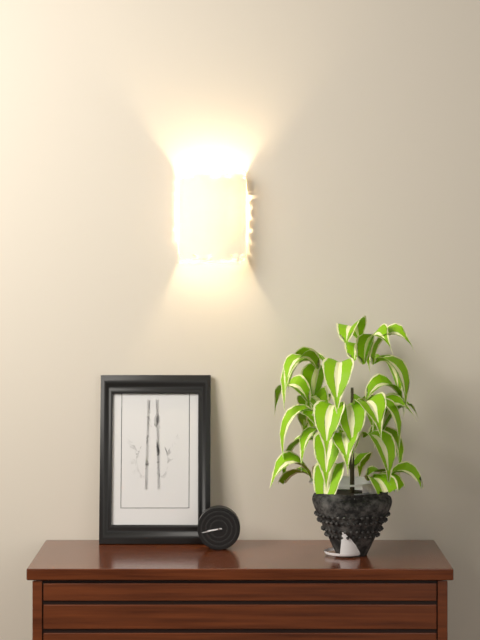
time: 8:43
